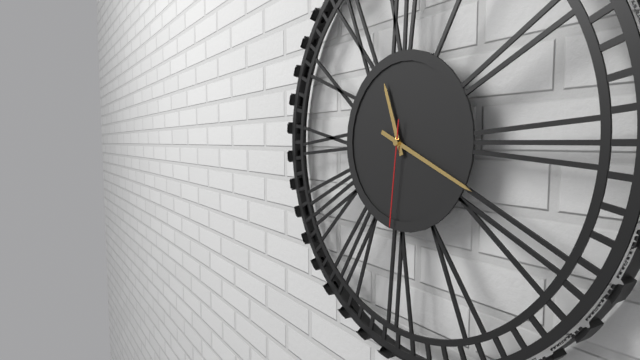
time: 11:19:31
